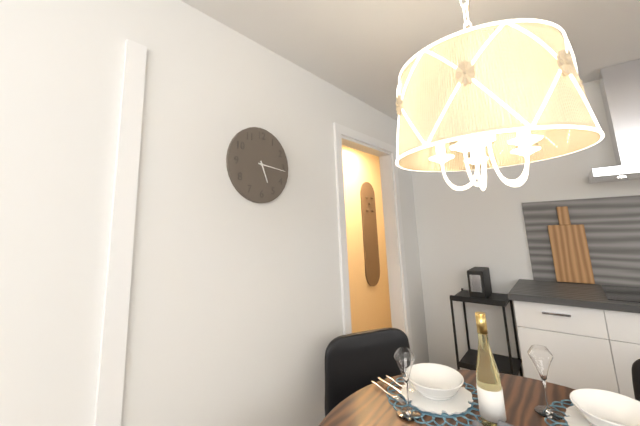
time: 5:16
